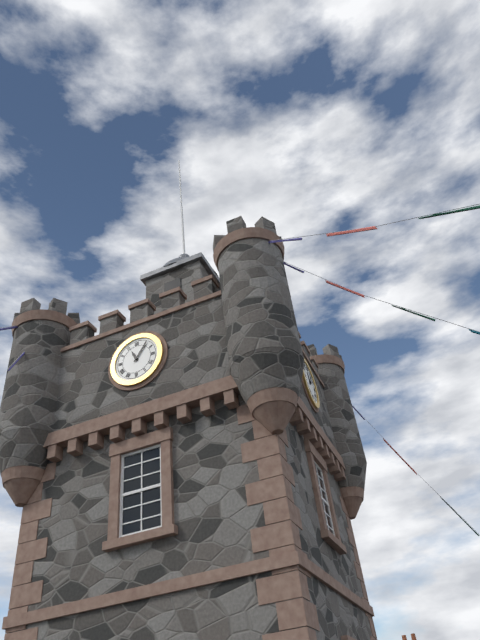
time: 11:06
